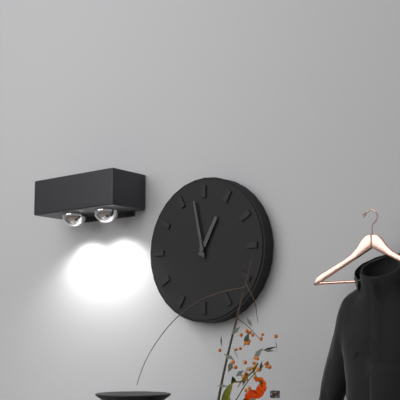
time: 12:58
